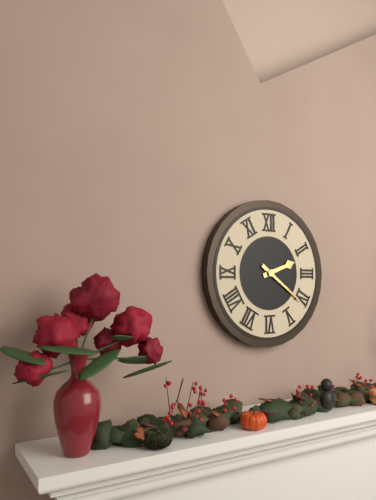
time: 2:21
